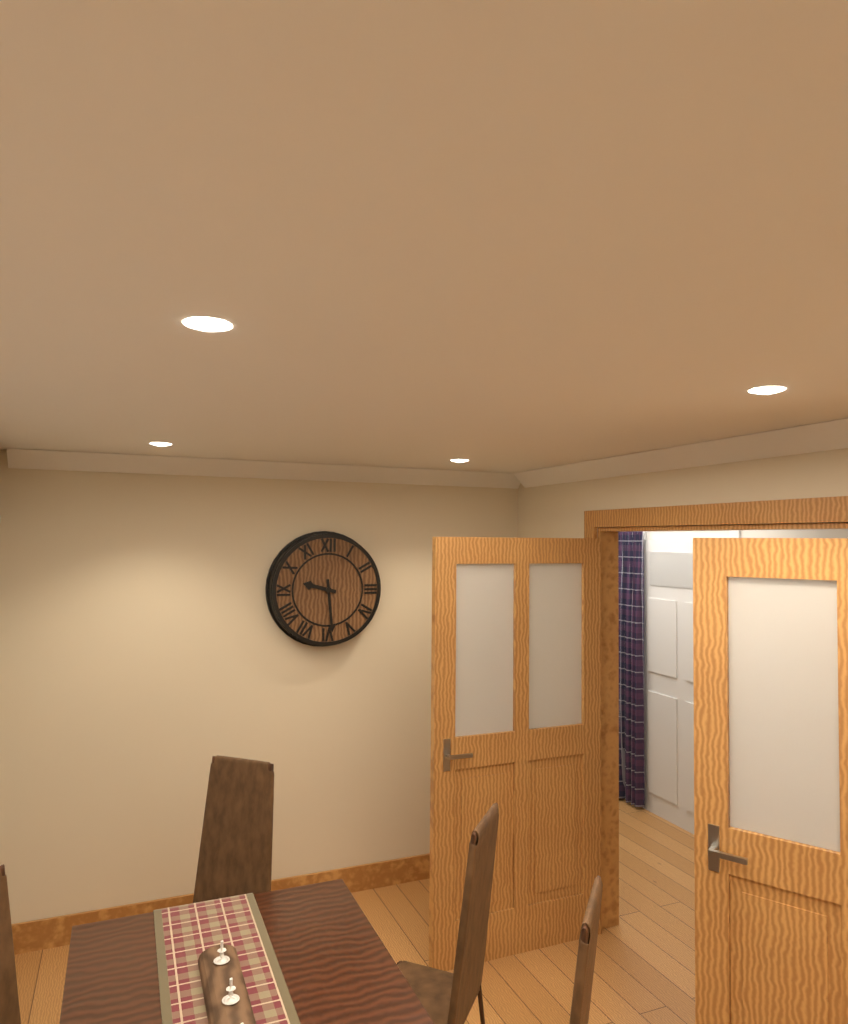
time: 9:29
